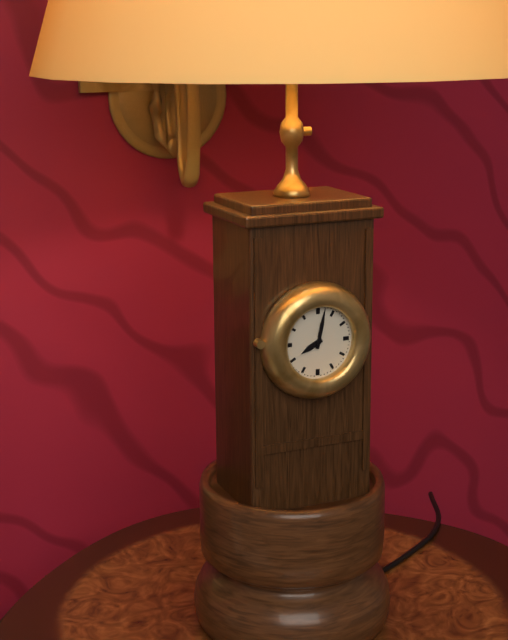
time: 8:02
